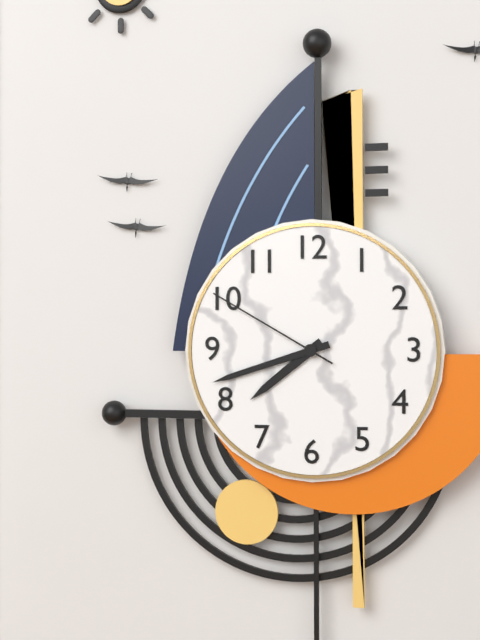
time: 7:42:50
